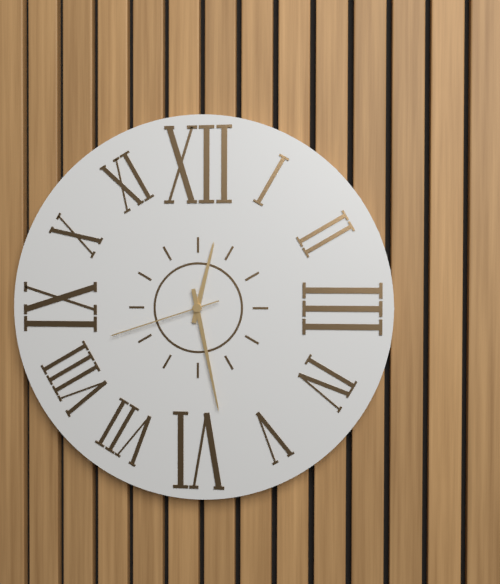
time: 12:28:42
